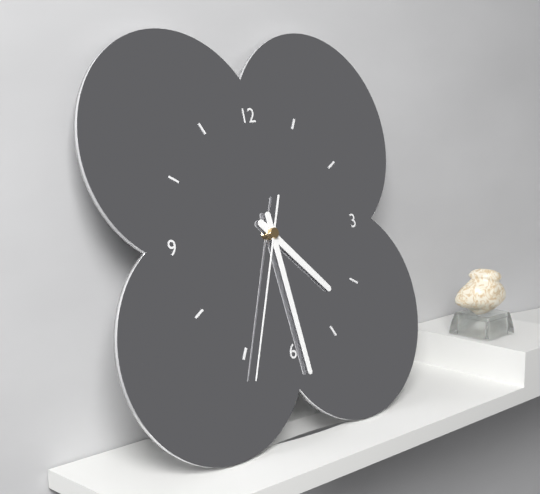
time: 4:29:34
